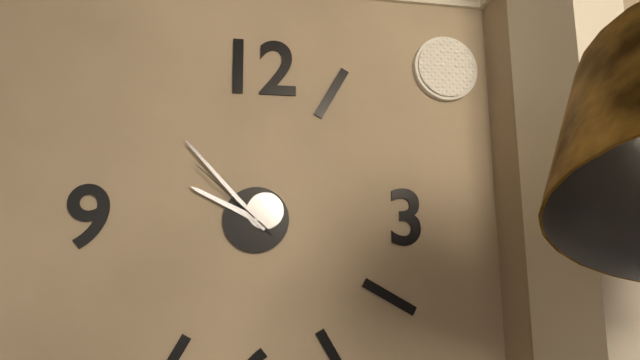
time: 9:53:52
